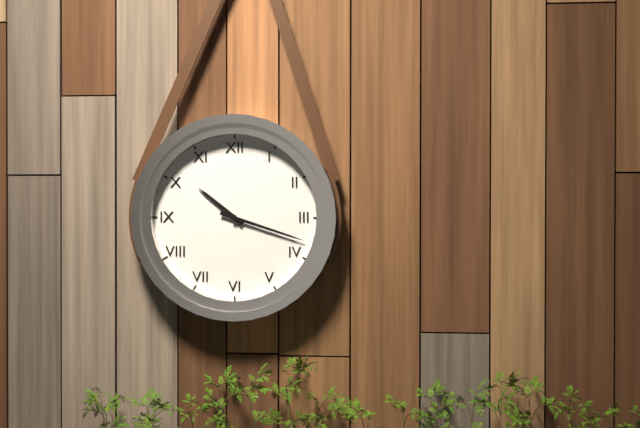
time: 10:18
